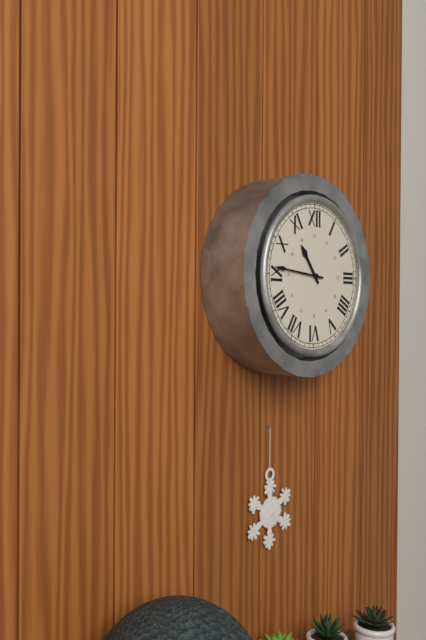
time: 10:46
